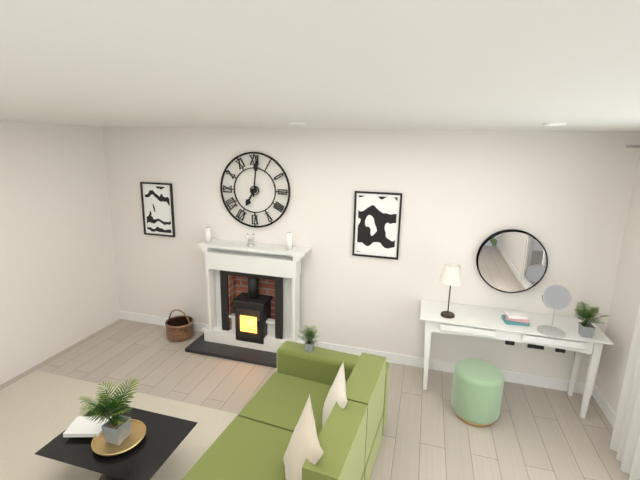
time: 7:01
